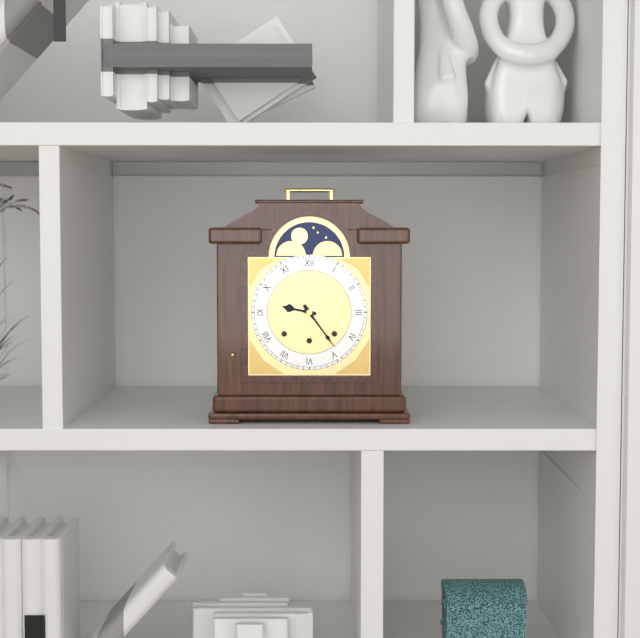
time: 9:24
